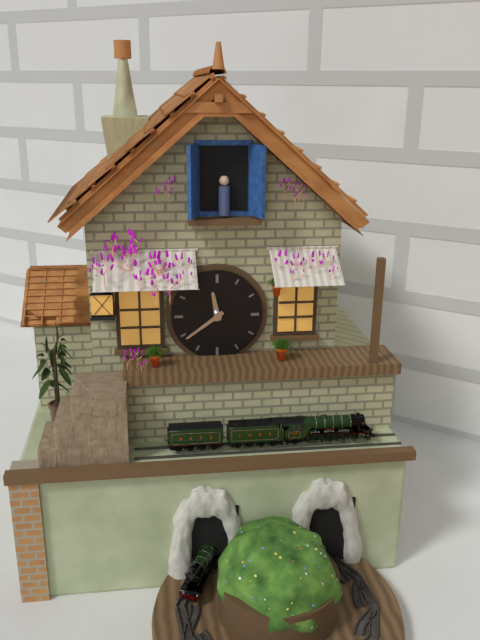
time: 11:39
